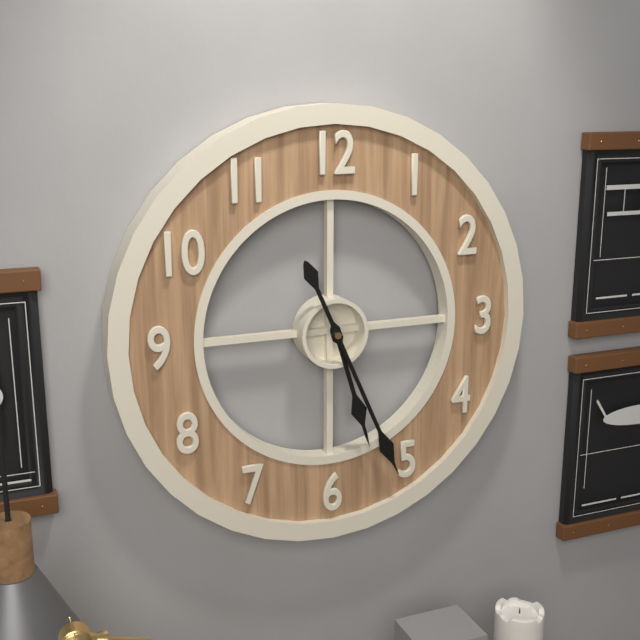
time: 5:26
